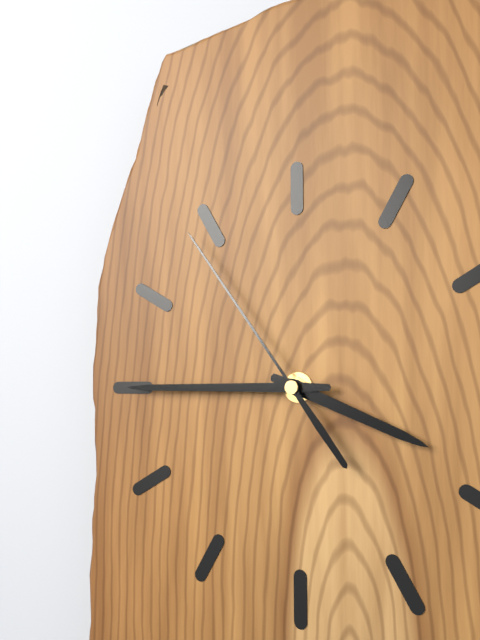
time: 3:45:54
